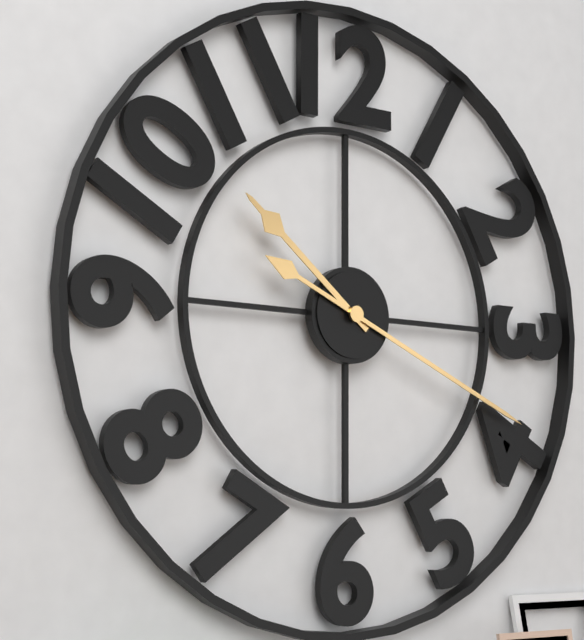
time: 10:19
